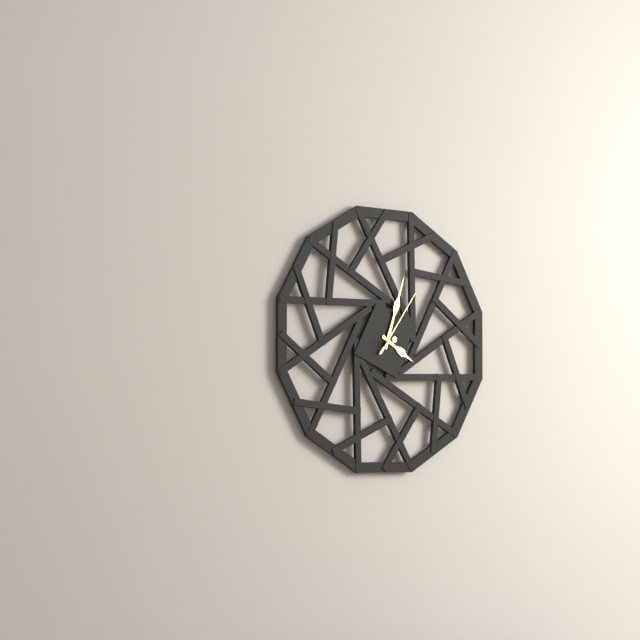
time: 4:03:06
